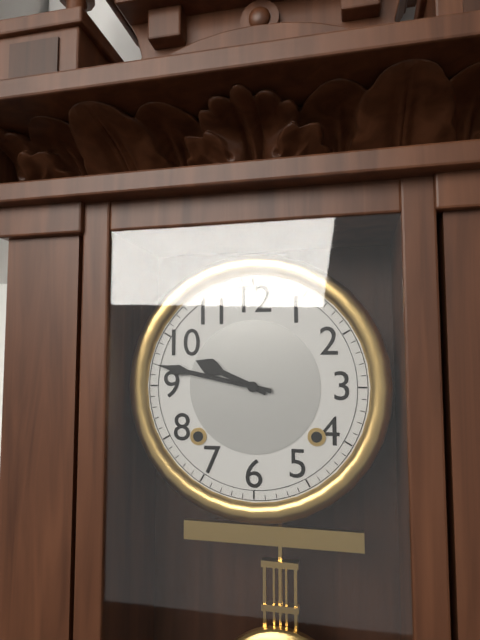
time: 9:47
